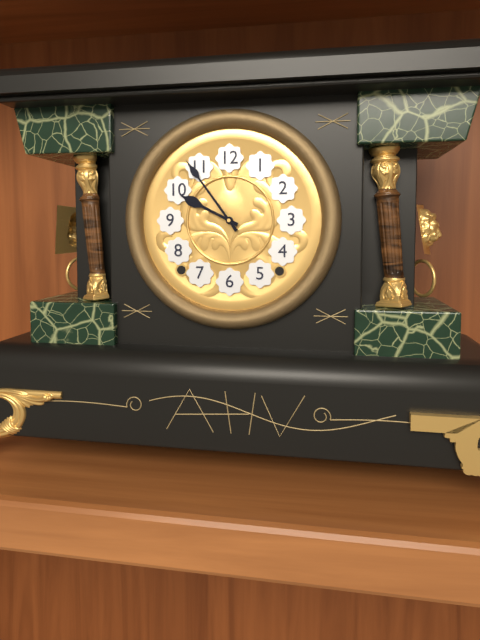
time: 9:54
